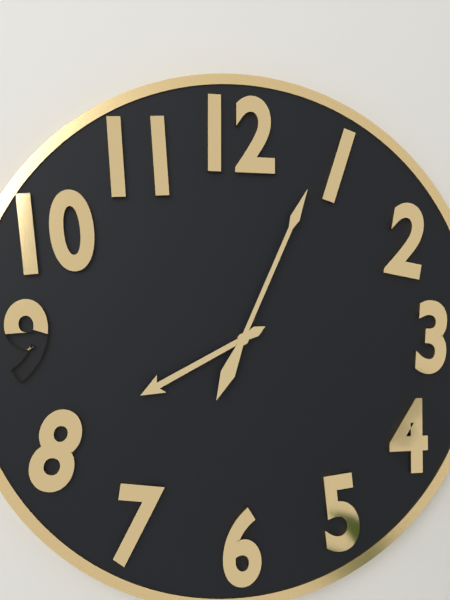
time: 8:04
